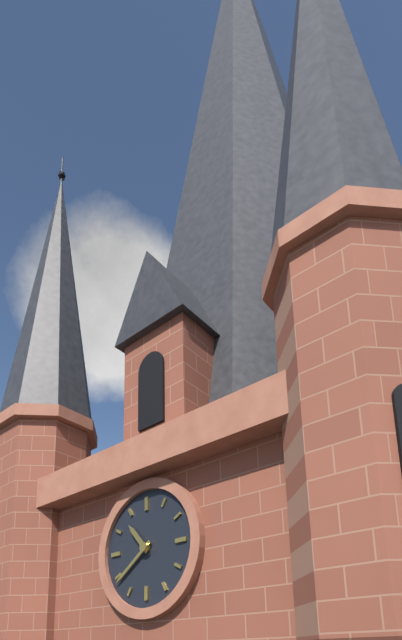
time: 10:39
